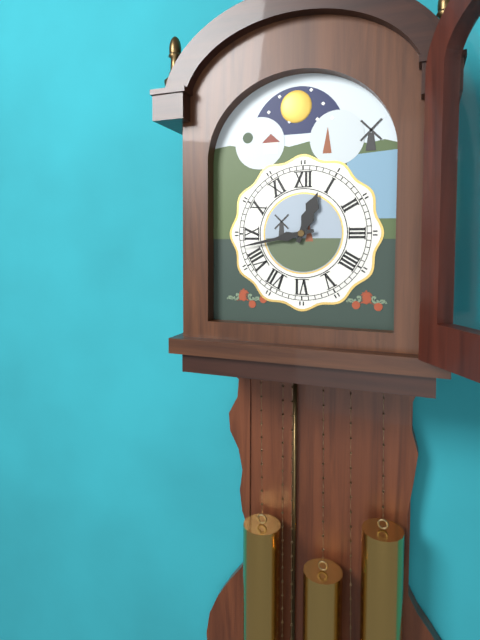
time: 12:43
